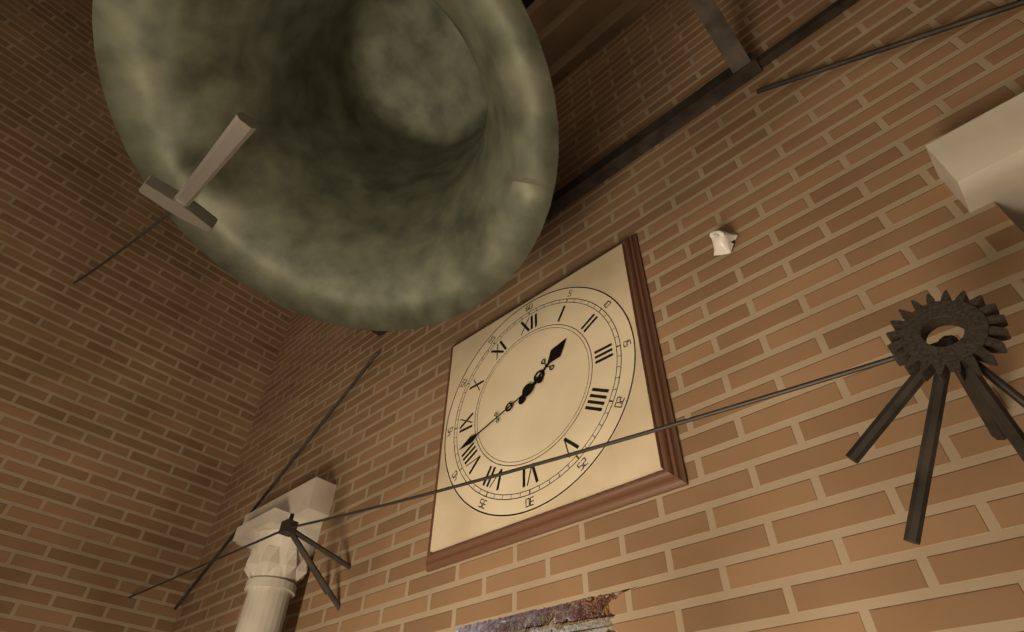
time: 1:42
